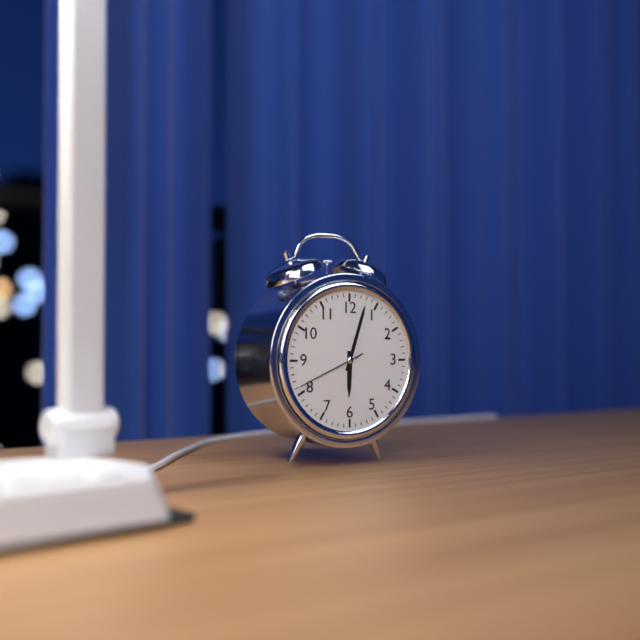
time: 6:03:41
